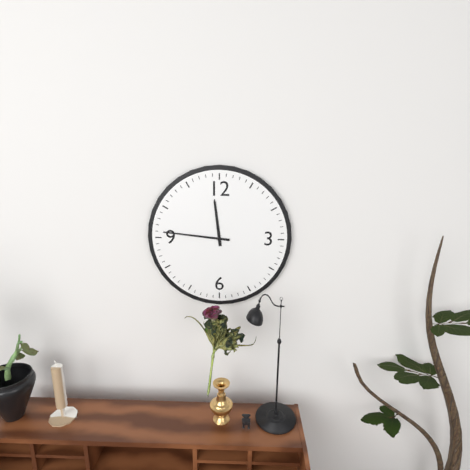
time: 11:46
